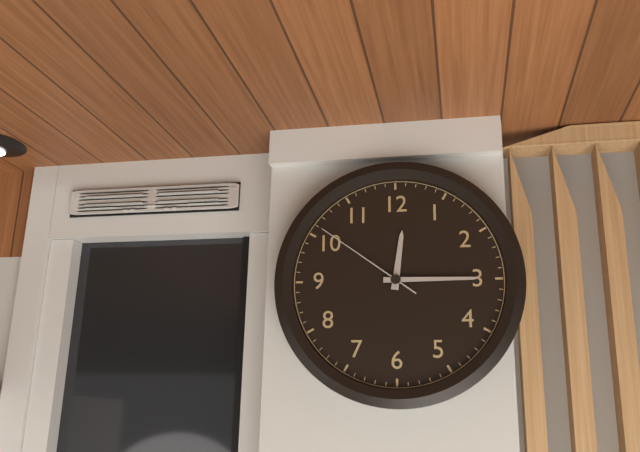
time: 12:15:51
